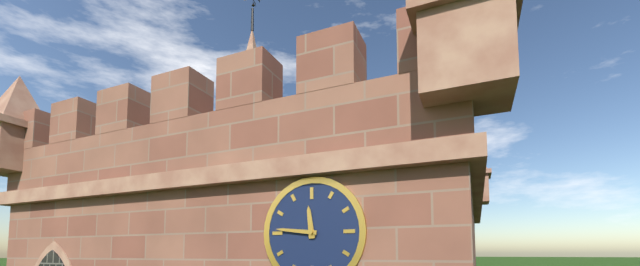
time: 11:46
